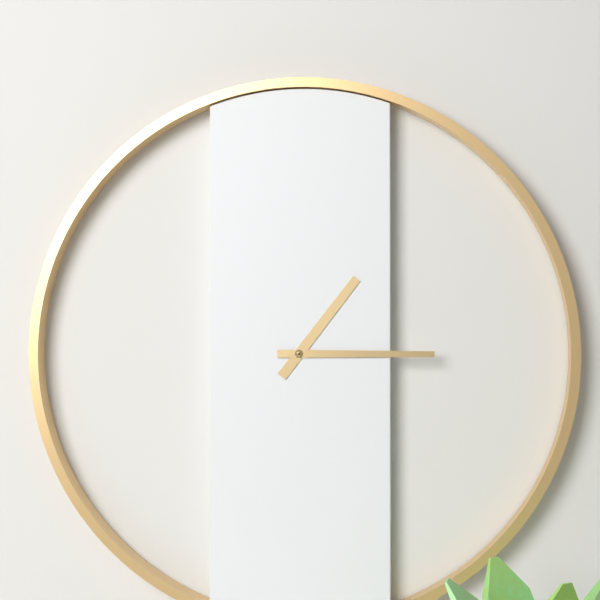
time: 1:15
